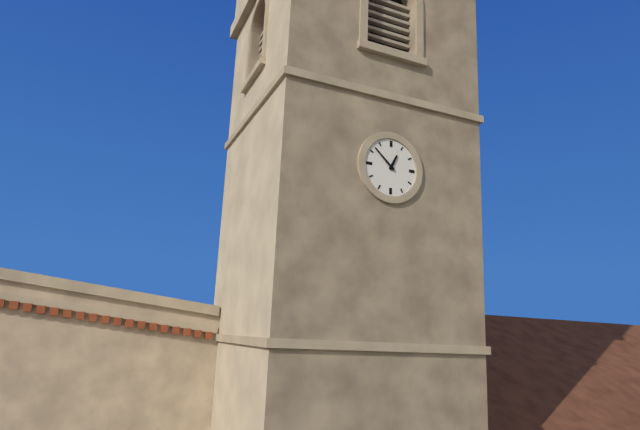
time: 12:52
